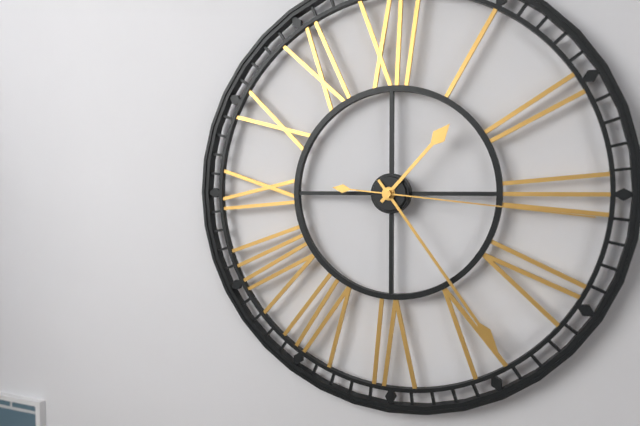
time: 1:24:16
